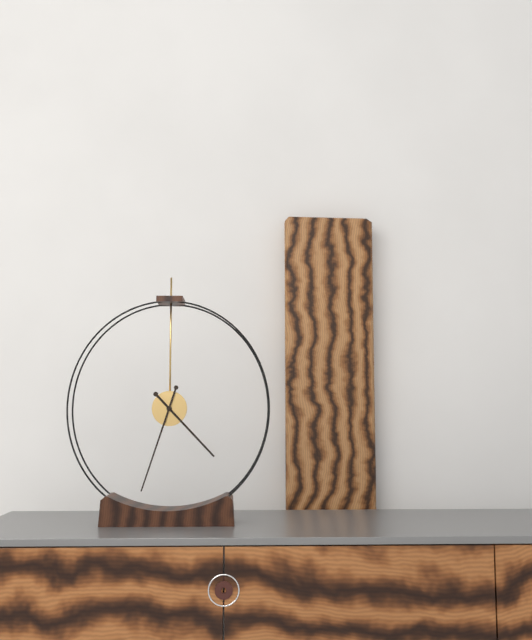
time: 4:33
